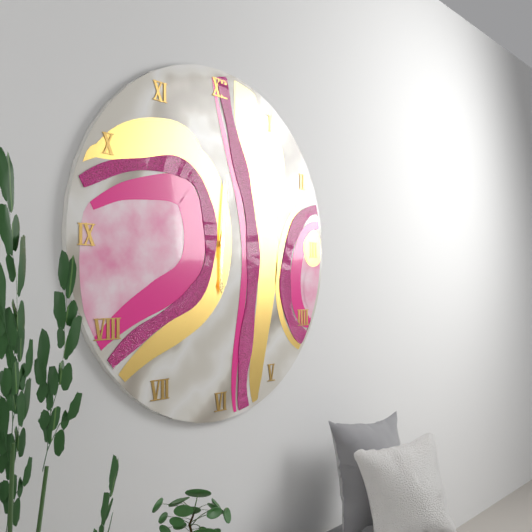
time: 6:01
